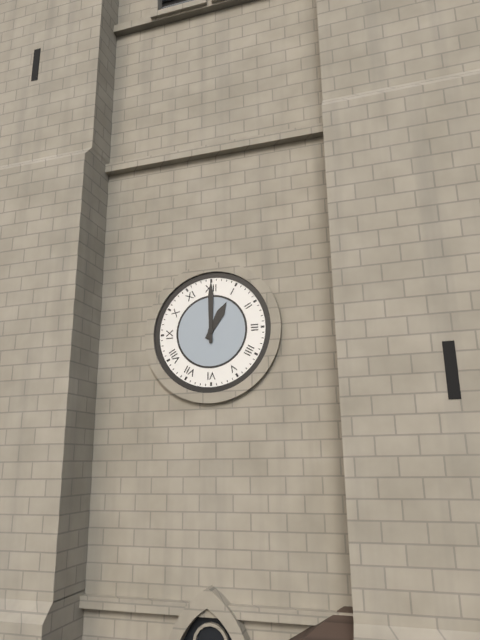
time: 1:00
